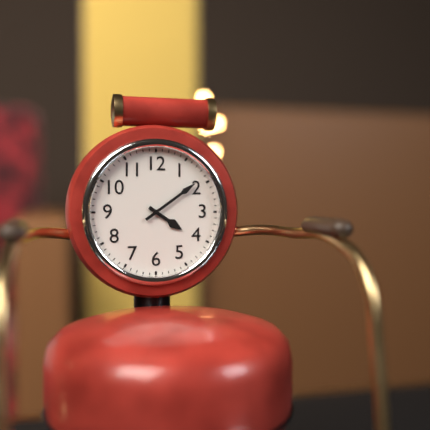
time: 4:09
